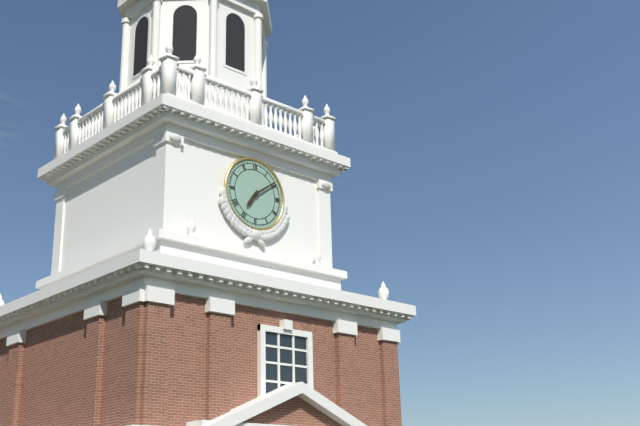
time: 7:09
